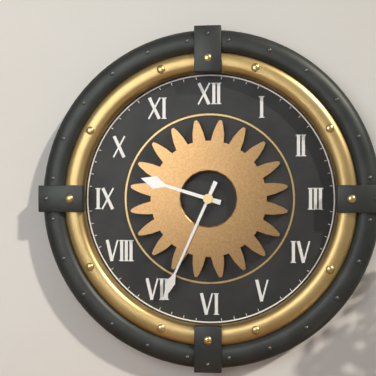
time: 9:34
